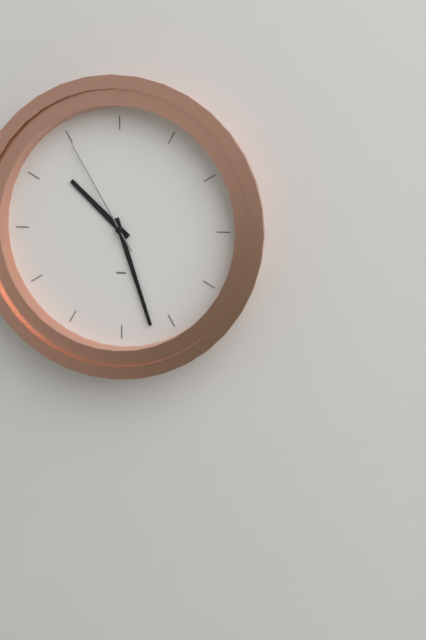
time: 10:27:55
